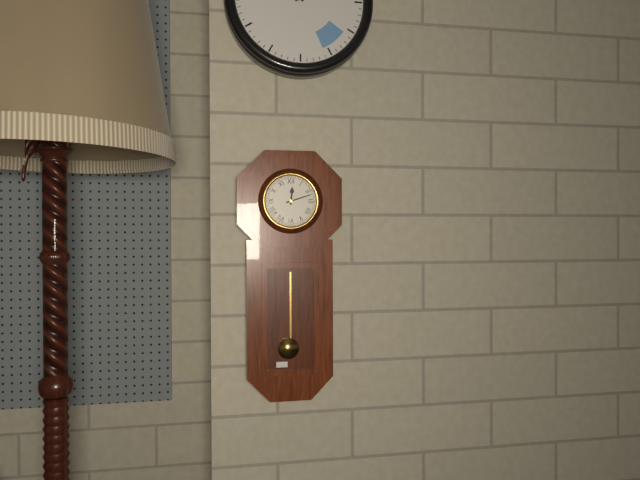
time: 12:12
